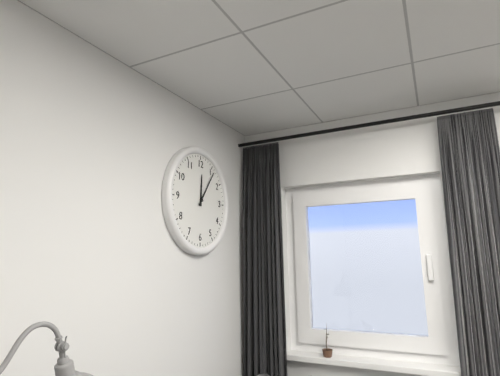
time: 12:06
